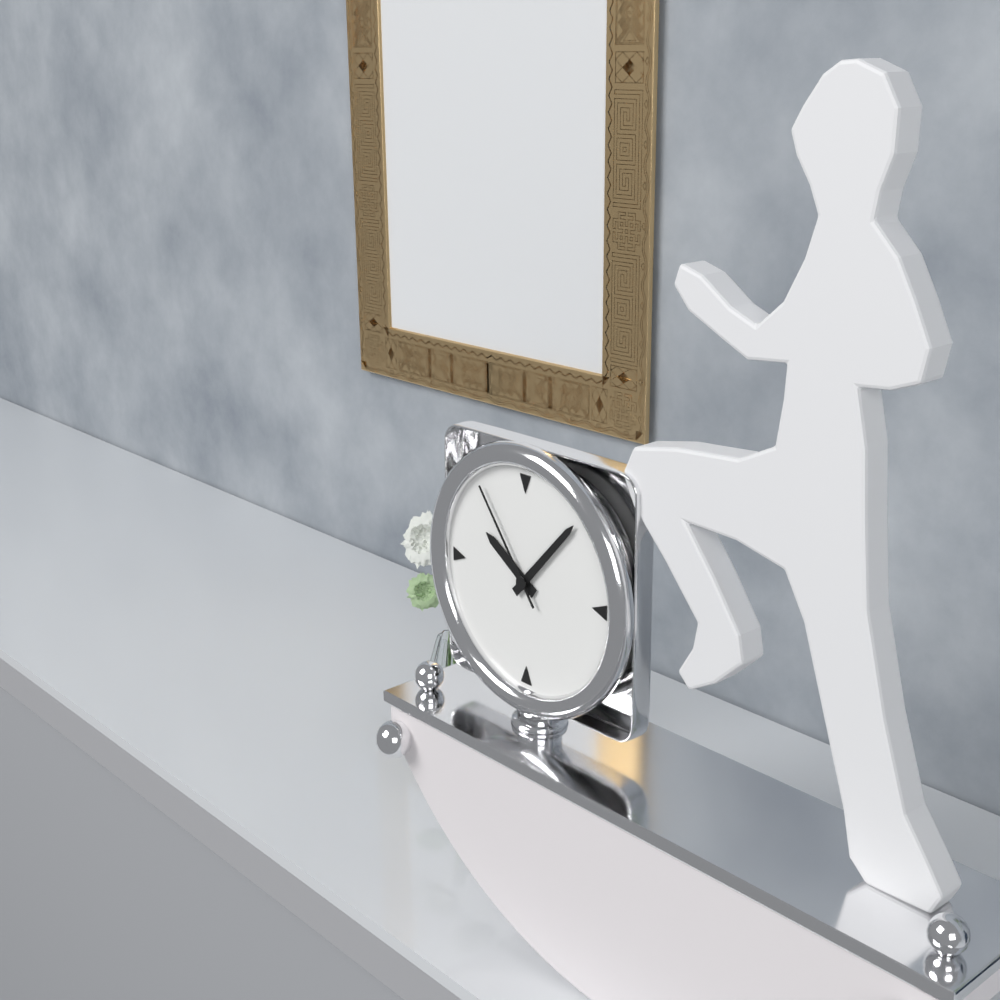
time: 10:07:54
